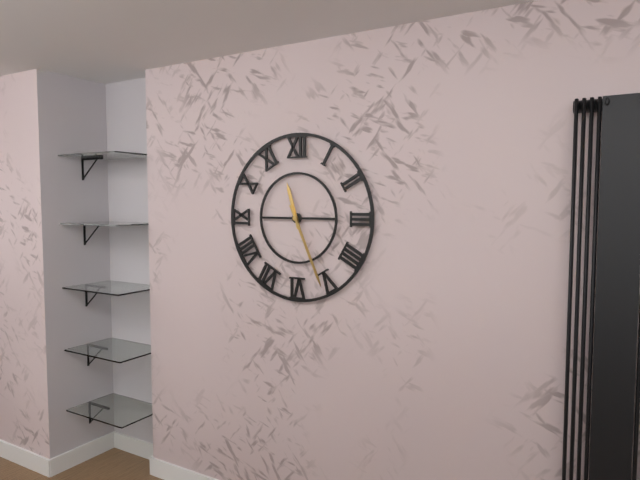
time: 11:26
